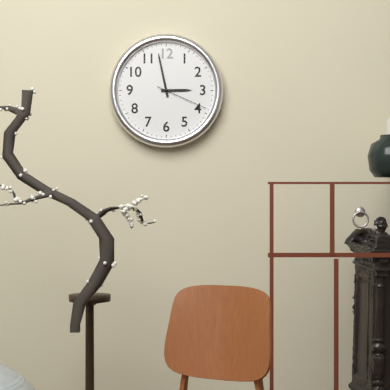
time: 2:58:19
